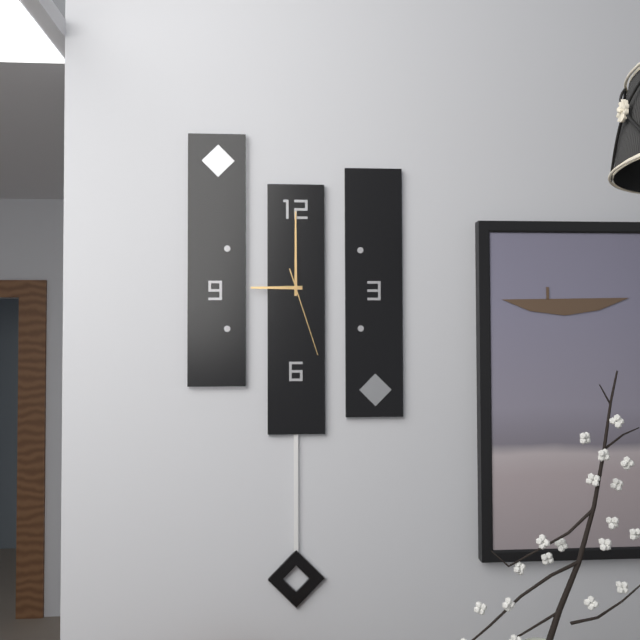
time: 9:00:27
